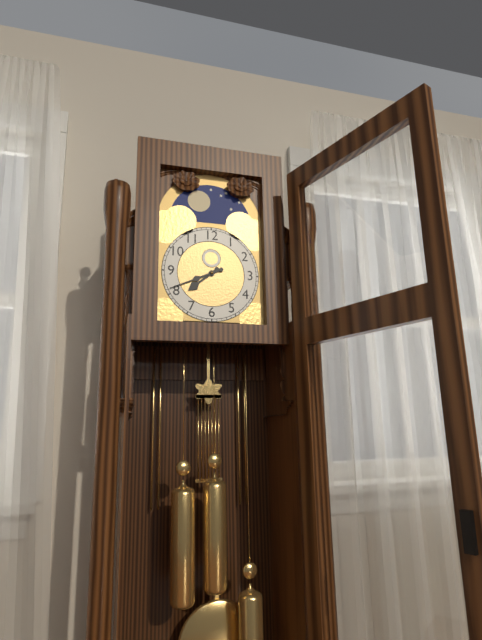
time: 7:41
